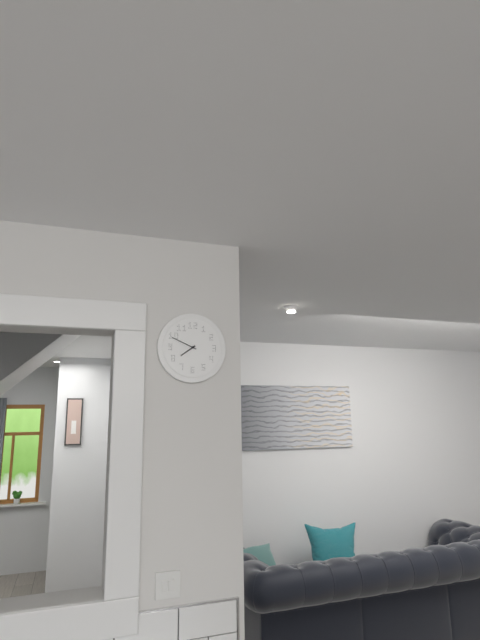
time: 7:49
